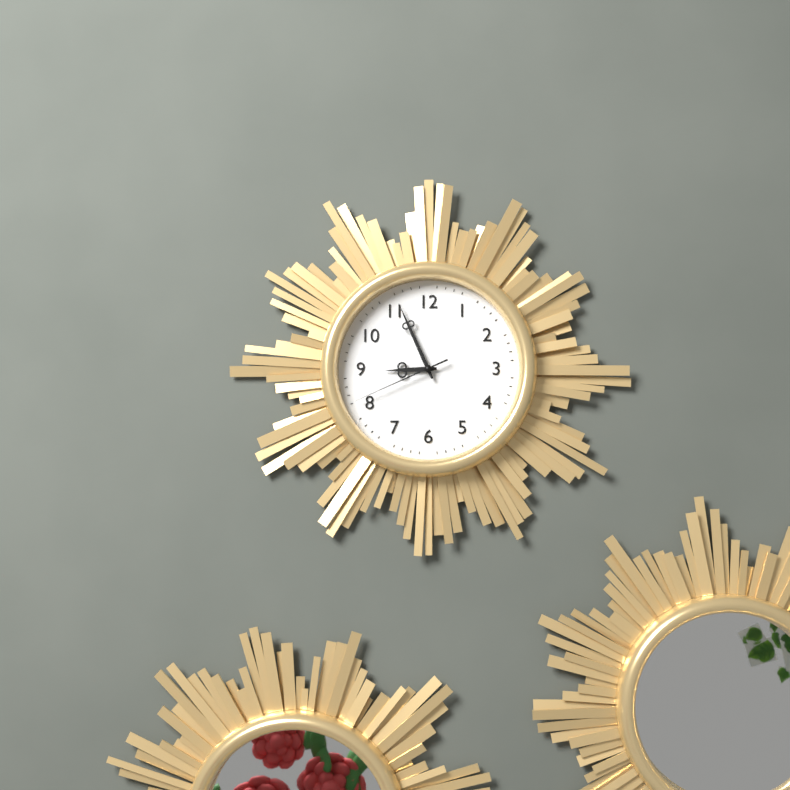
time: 8:56:41
